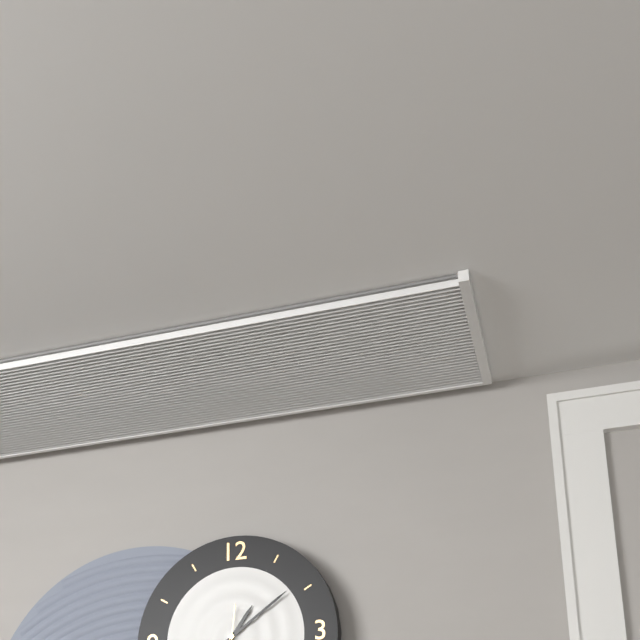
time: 1:09
